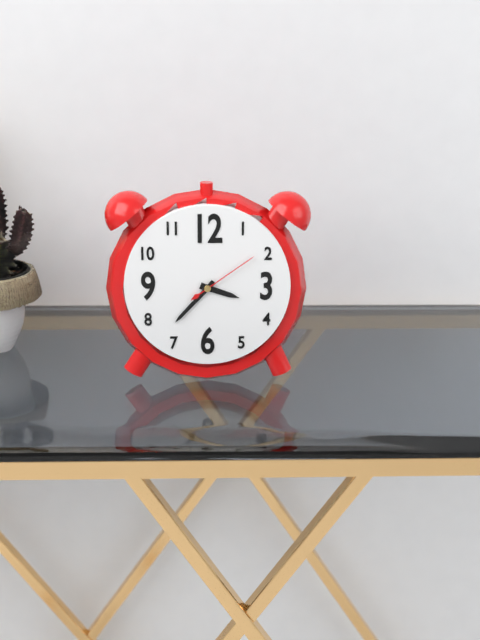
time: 3:37:09
